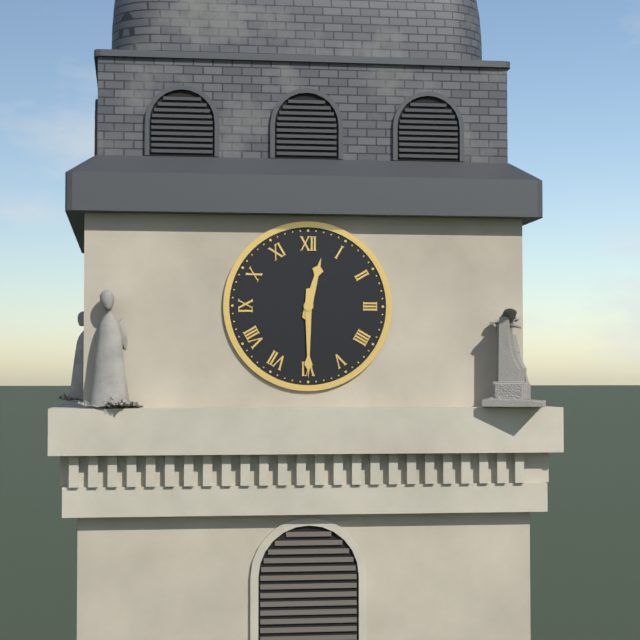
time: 12:30
